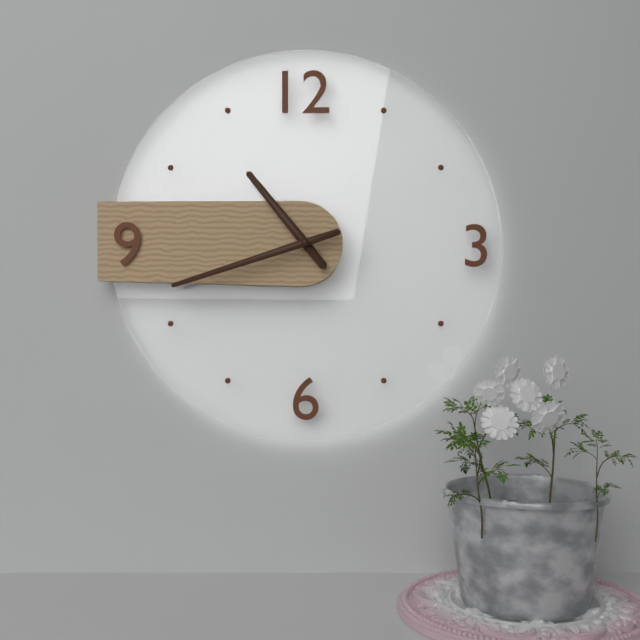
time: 10:42
